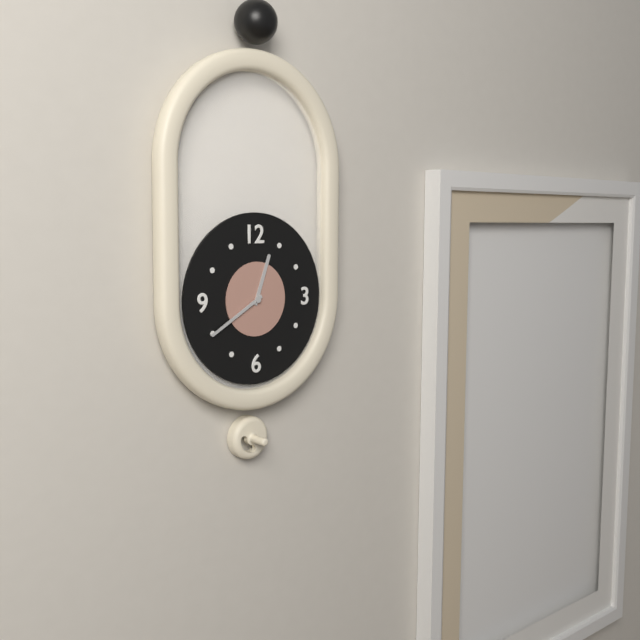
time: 12:40
